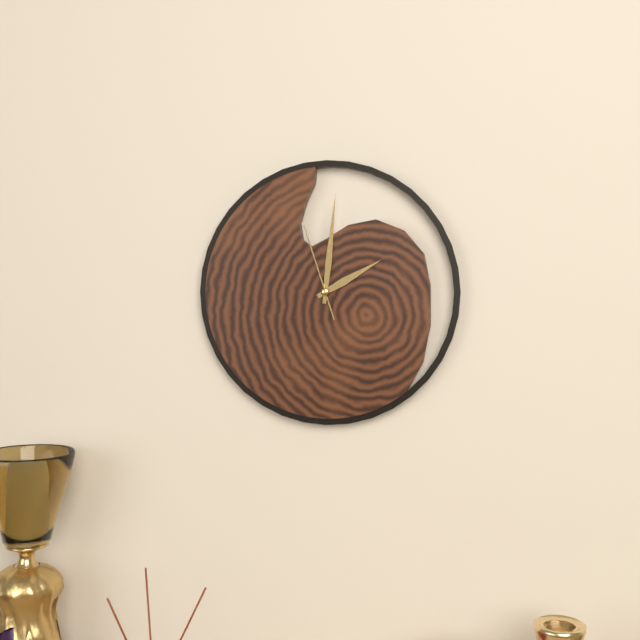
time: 2:01:57
